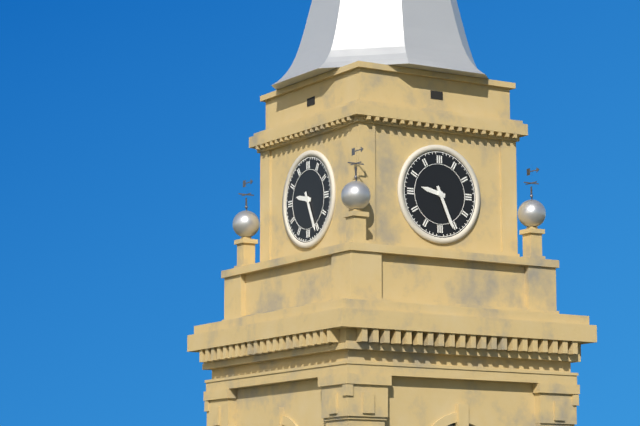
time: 9:26
